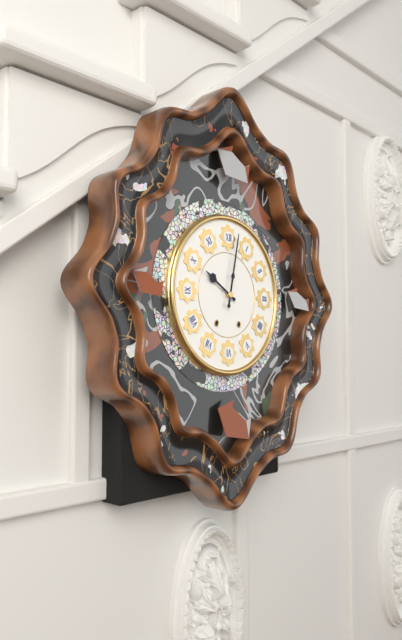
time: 10:02
